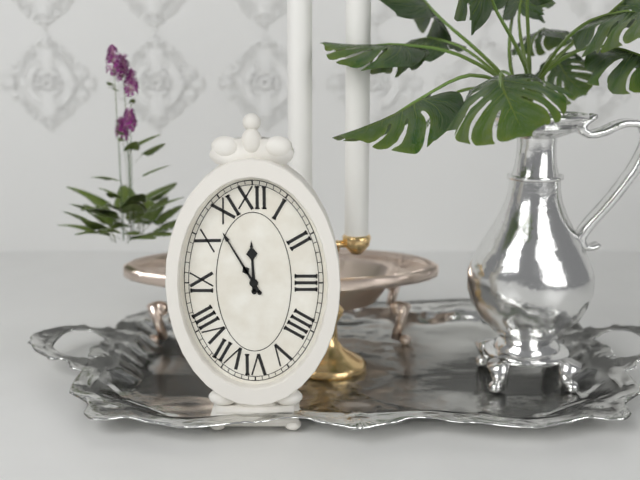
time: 11:55
